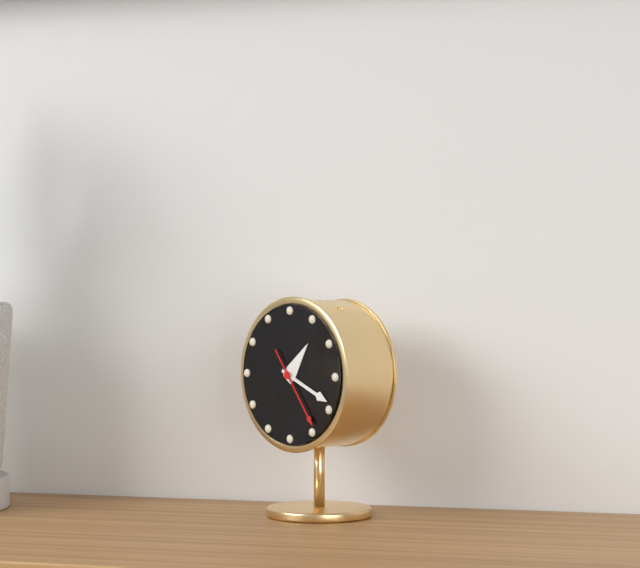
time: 1:19:24
